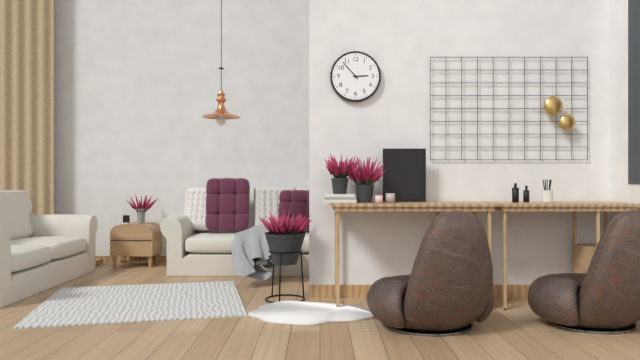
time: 2:53
